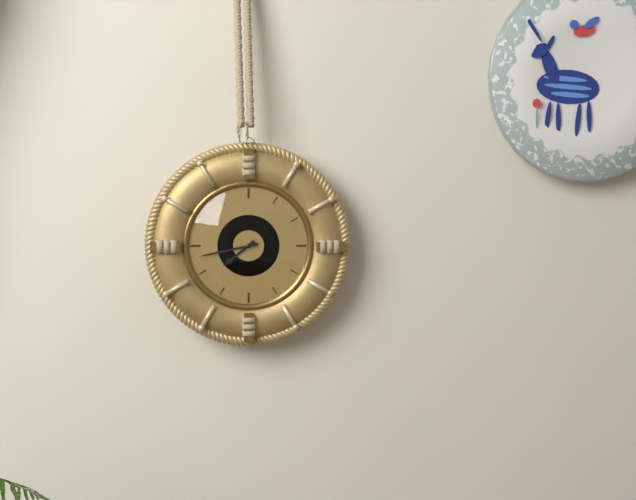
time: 7:43
